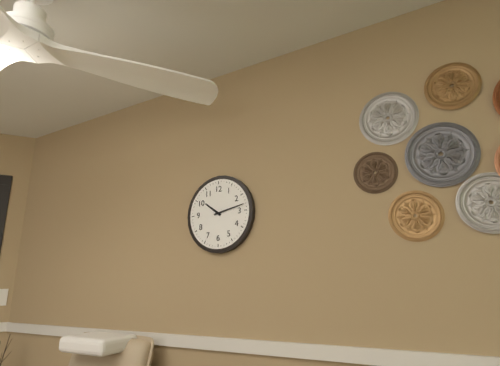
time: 10:13
